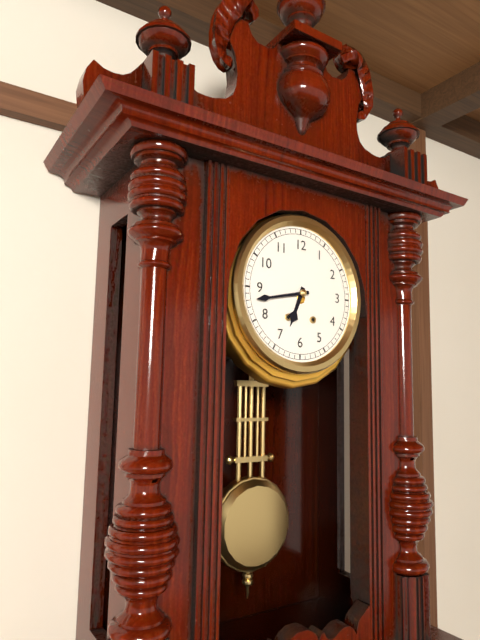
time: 6:43
